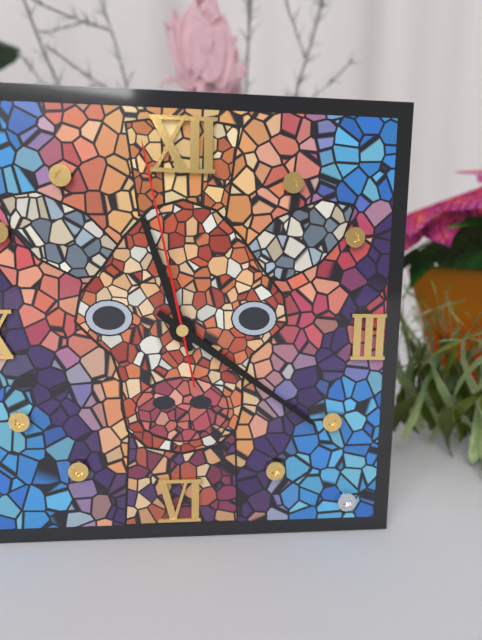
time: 11:21:58
